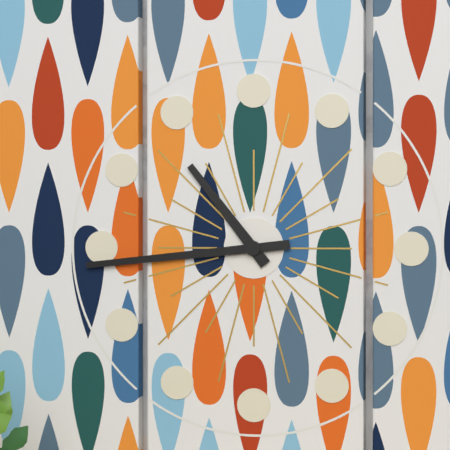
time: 10:44
